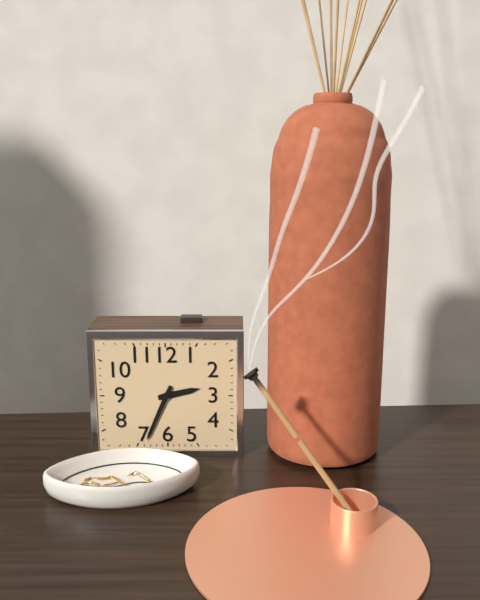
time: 2:34
